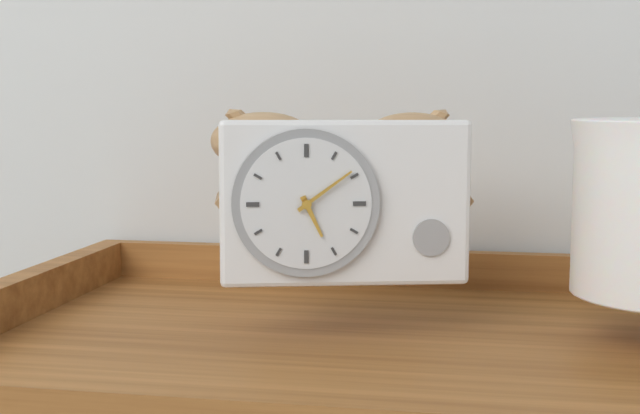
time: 5:09
